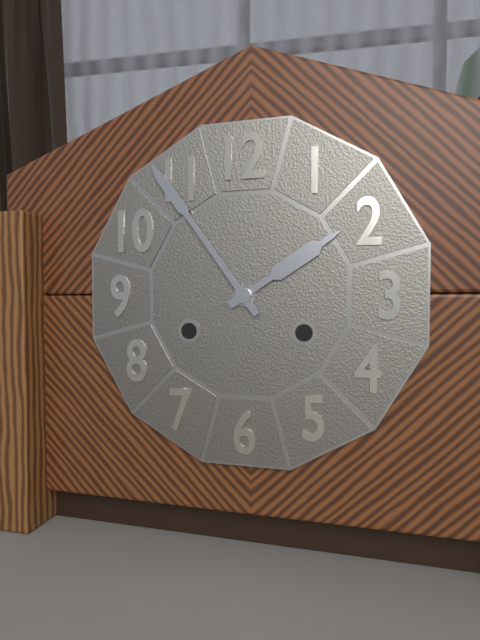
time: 1:54
